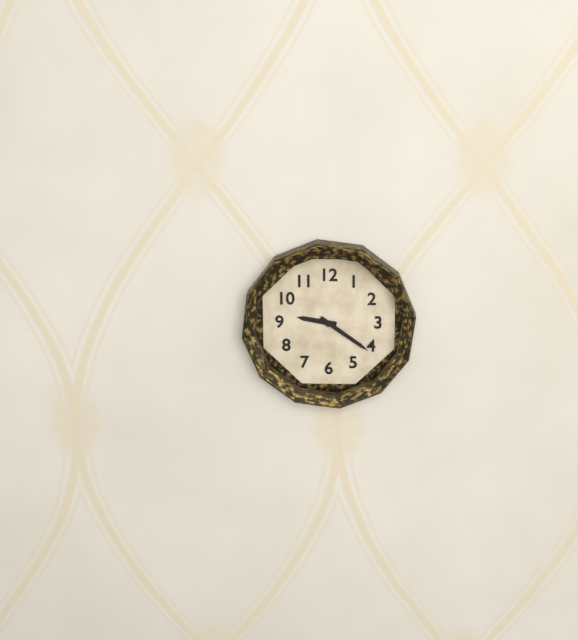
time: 9:21
